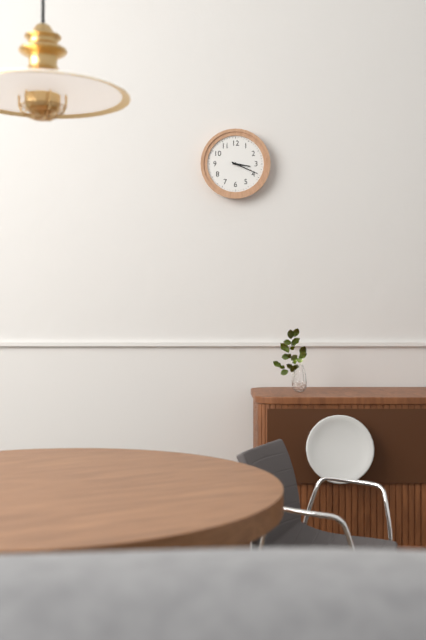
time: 3:19
